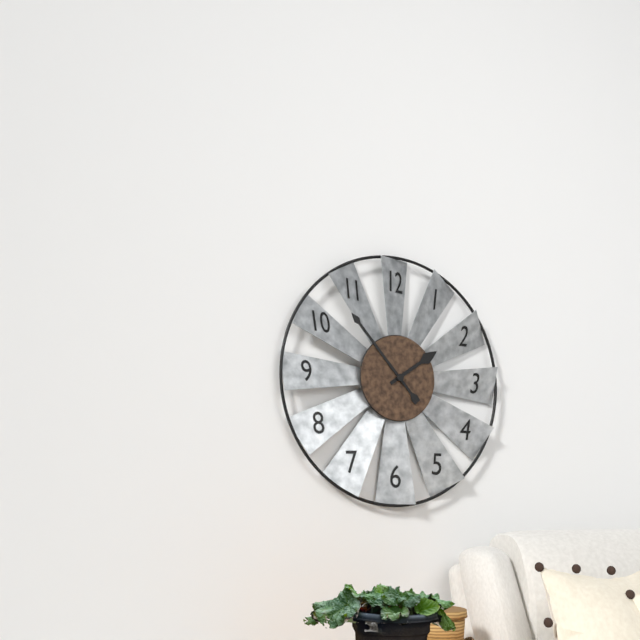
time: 1:53
